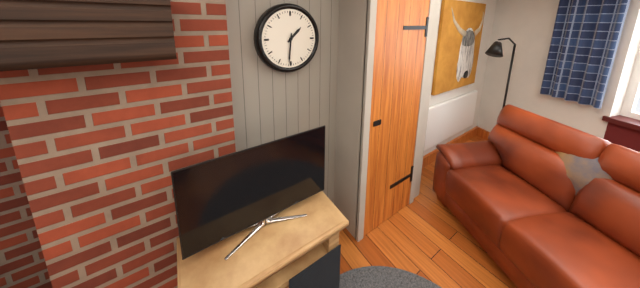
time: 1:31
